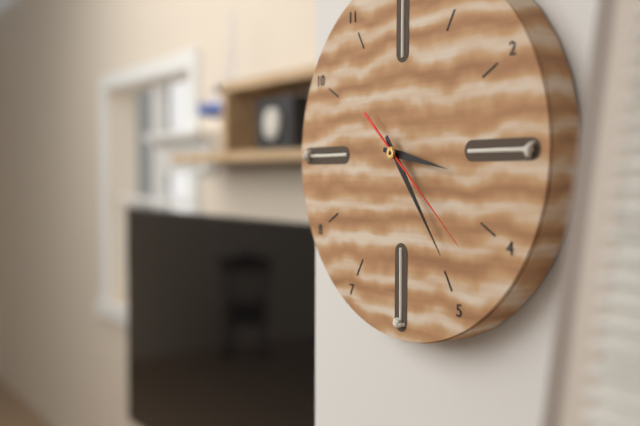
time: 3:24:22
